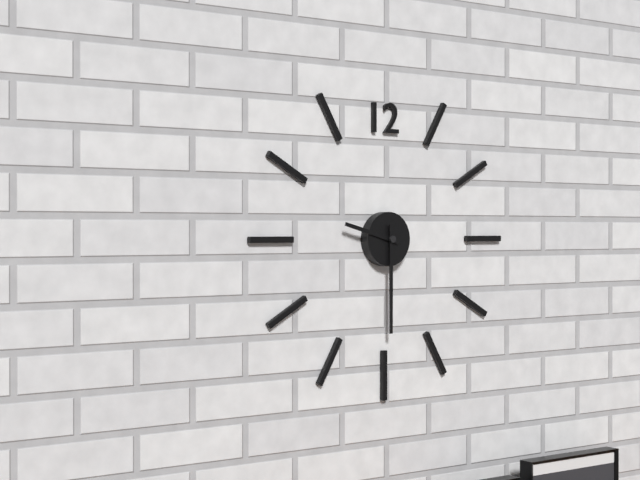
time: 9:30
